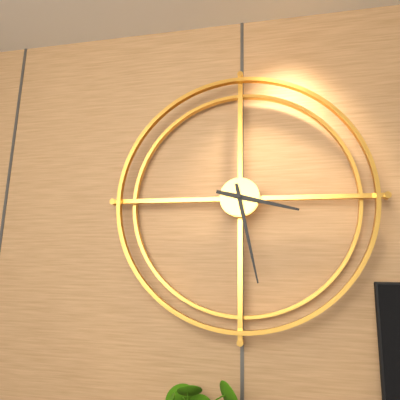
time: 3:28
